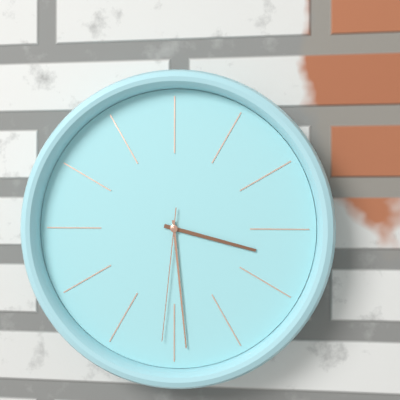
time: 3:29:31
